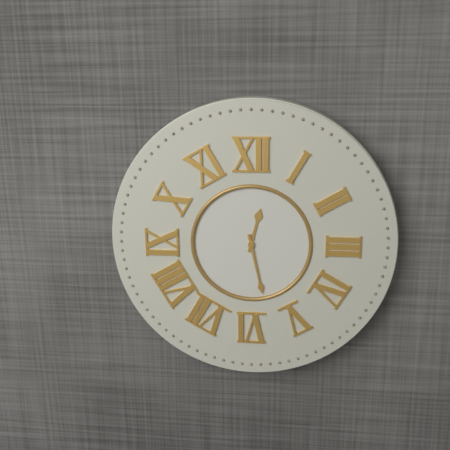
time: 12:28
